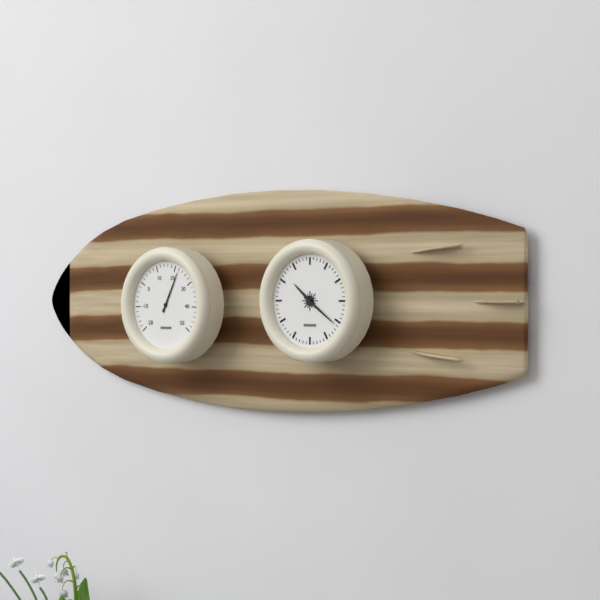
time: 10:21
